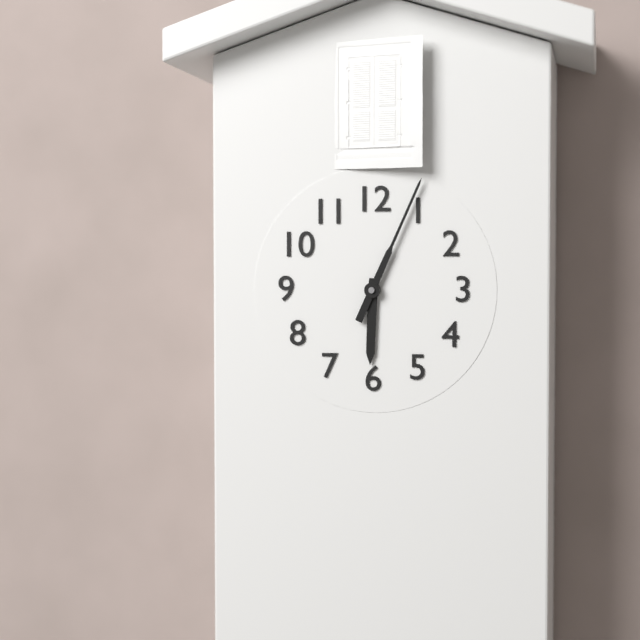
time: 6:04
